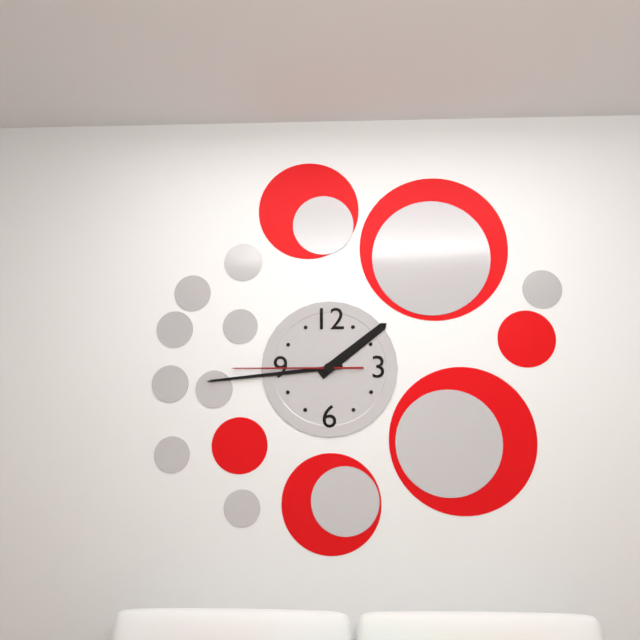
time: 1:44:45
